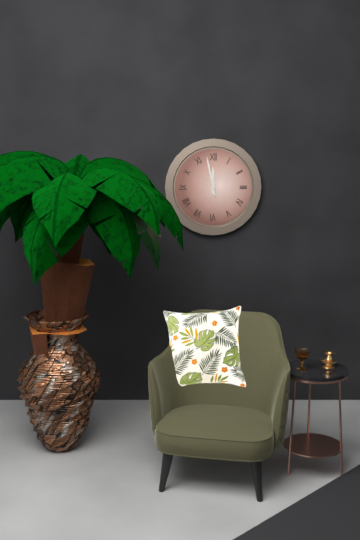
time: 11:58
